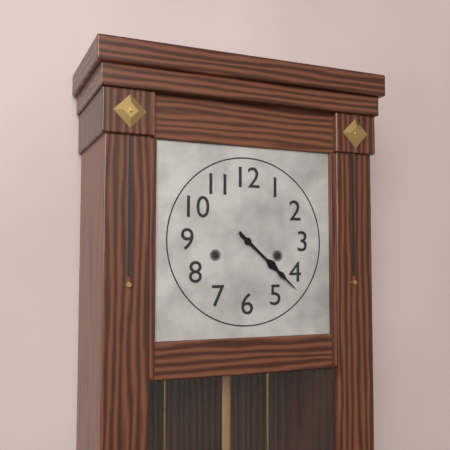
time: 4:22
